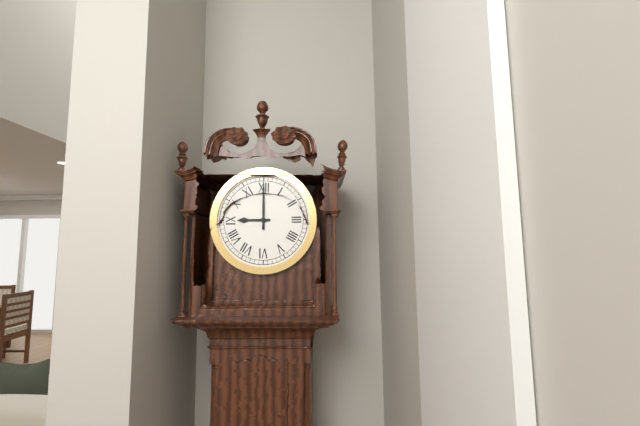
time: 9:00
